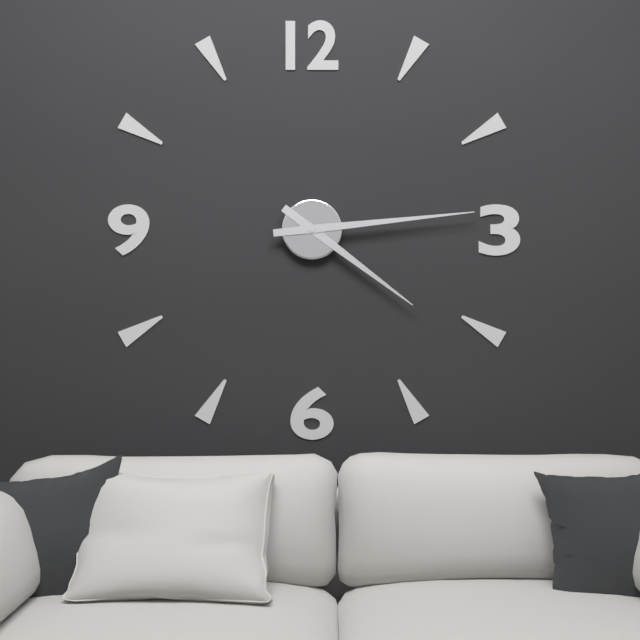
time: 4:14
